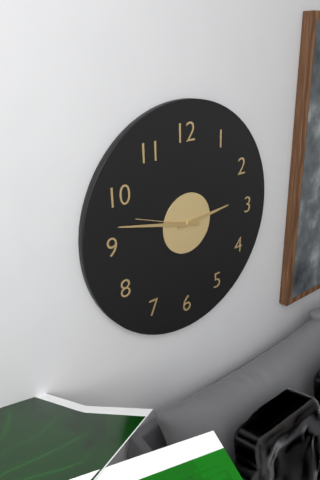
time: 2:47:48
